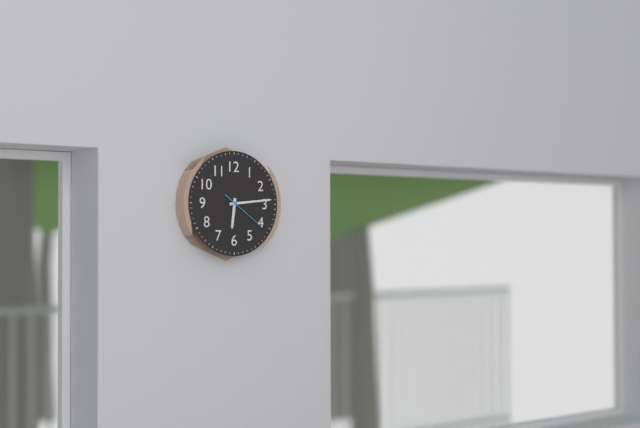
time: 6:14
